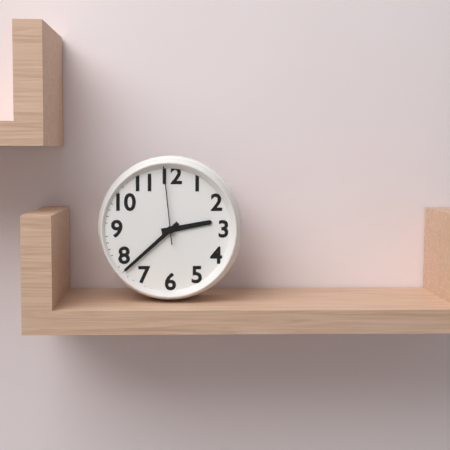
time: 2:38:59
